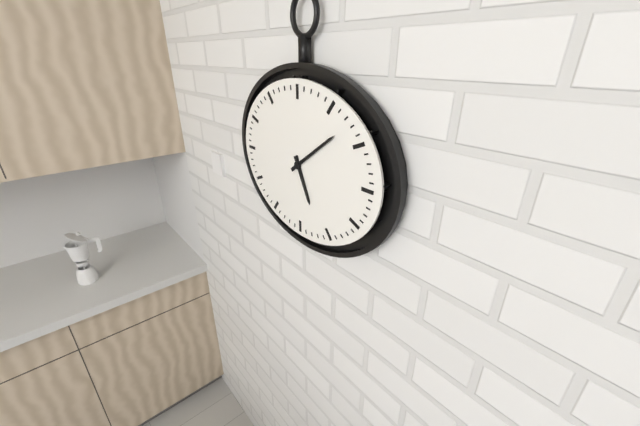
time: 5:09
